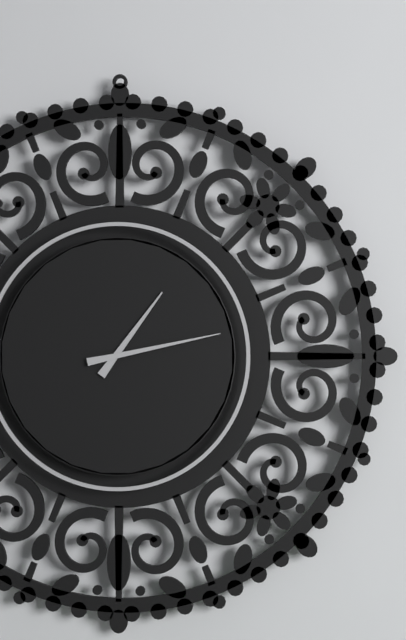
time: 1:13
